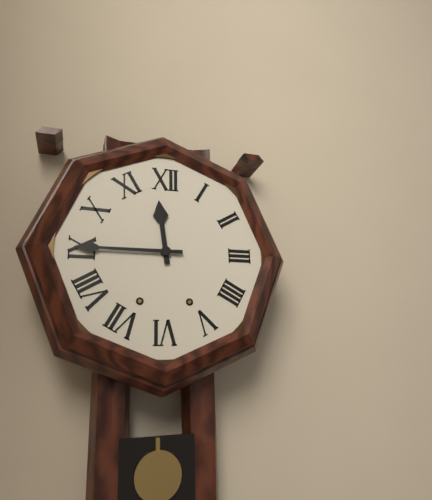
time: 11:45
